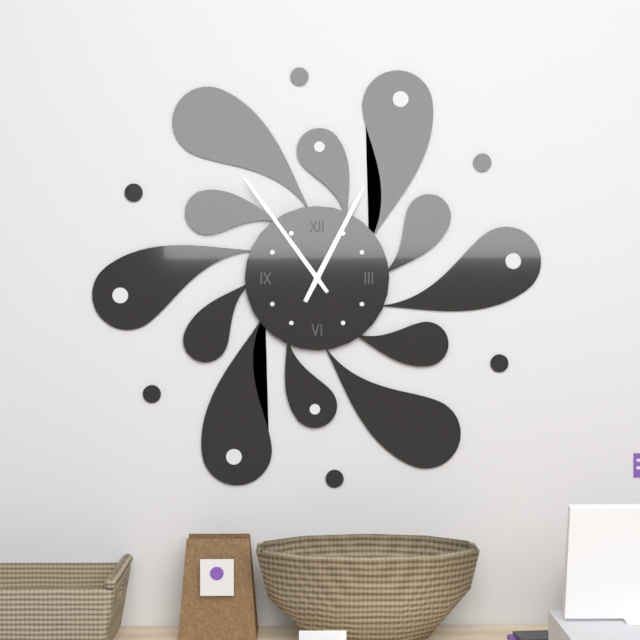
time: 12:54
